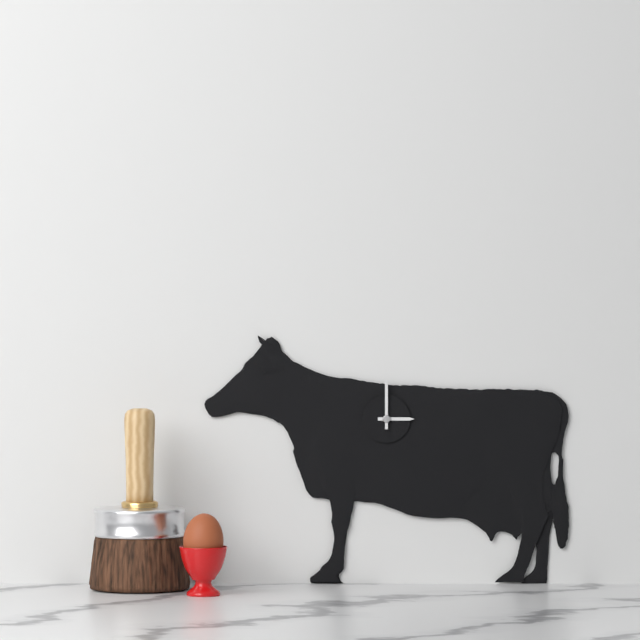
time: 3:00
